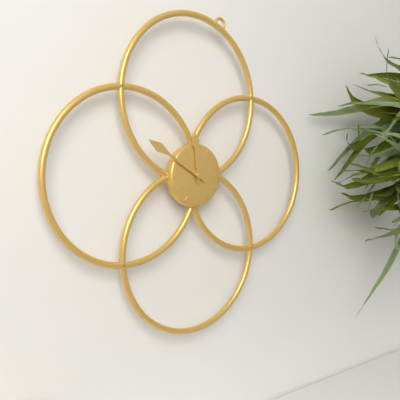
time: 11:50
